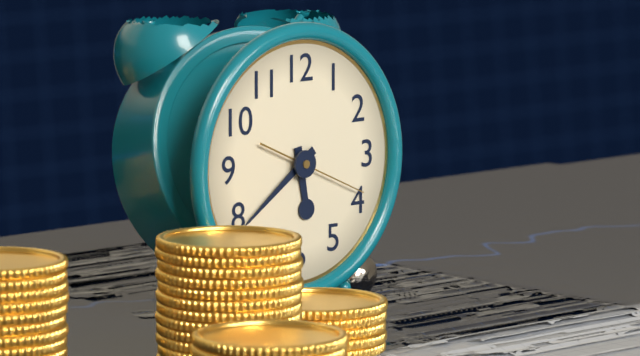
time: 5:39:19
